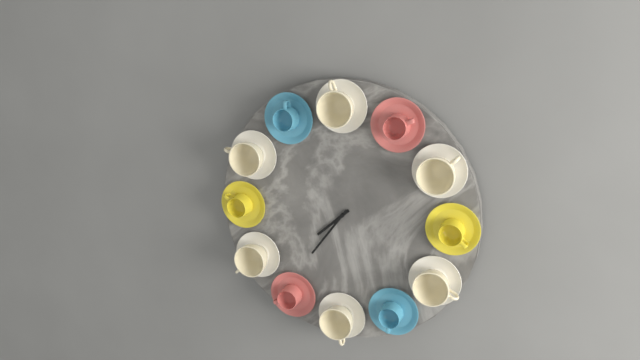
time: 7:36
